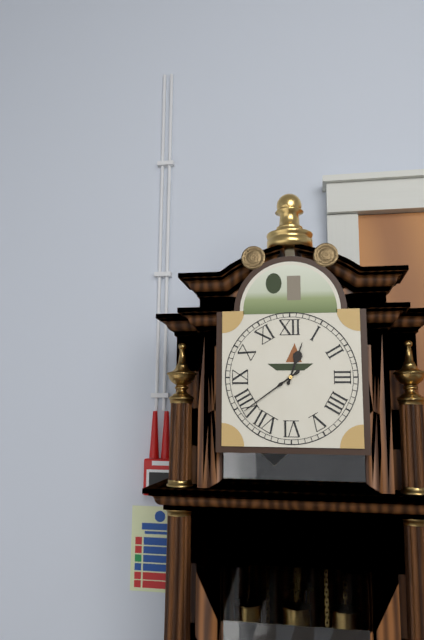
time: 12:39
